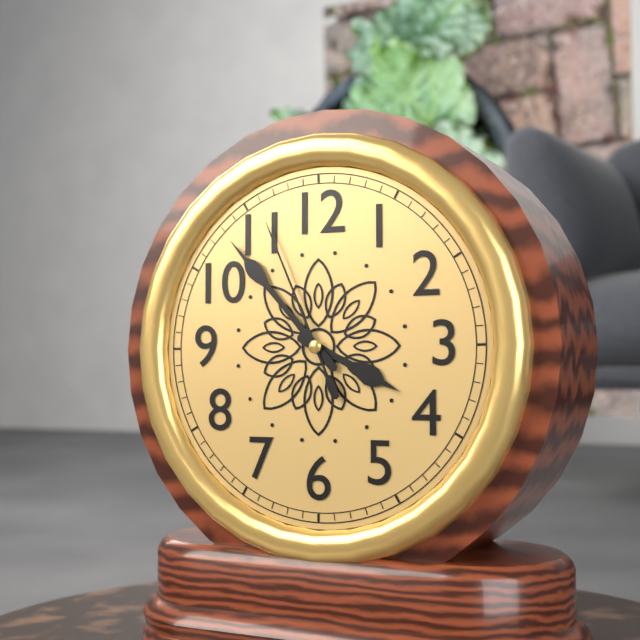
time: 3:53:56
